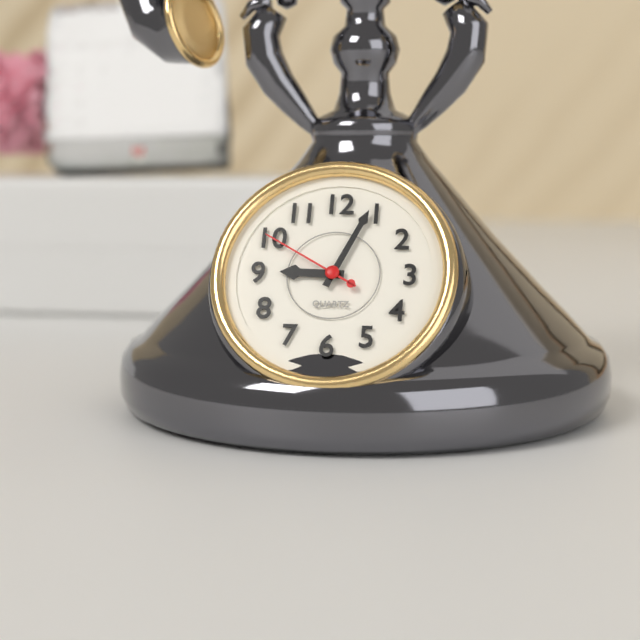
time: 9:04:50
